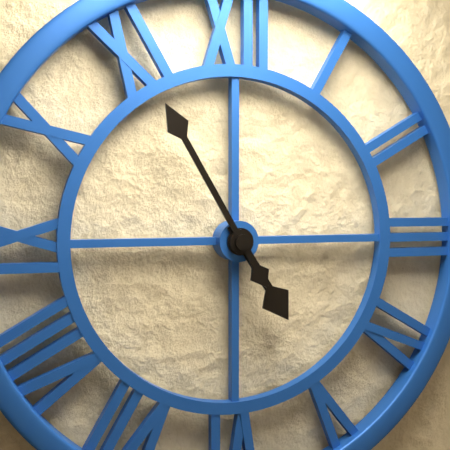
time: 4:55
